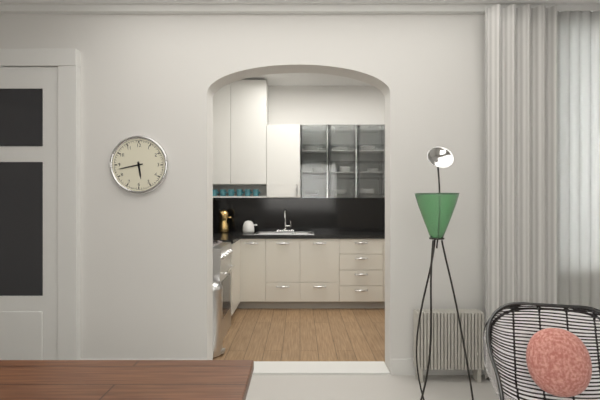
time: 5:43
